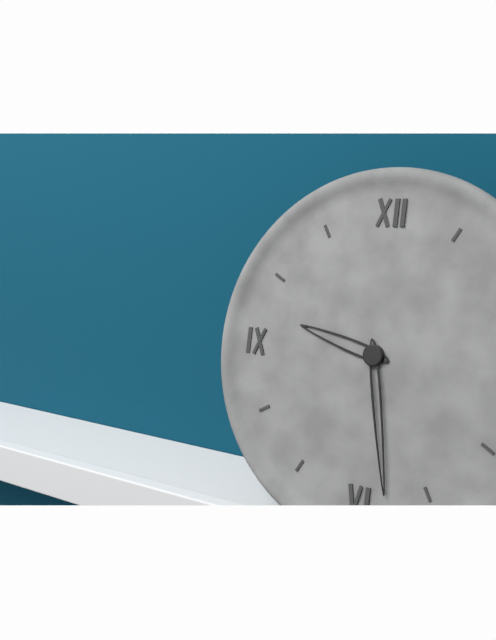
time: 9:28
